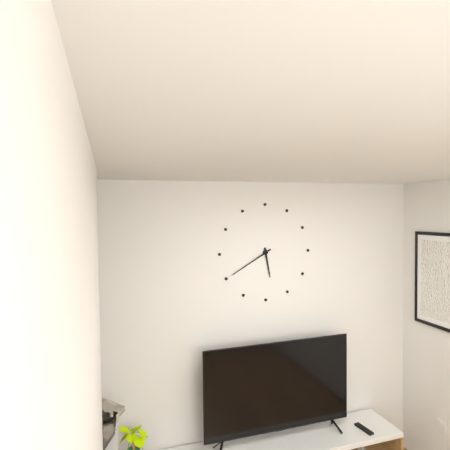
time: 5:40
